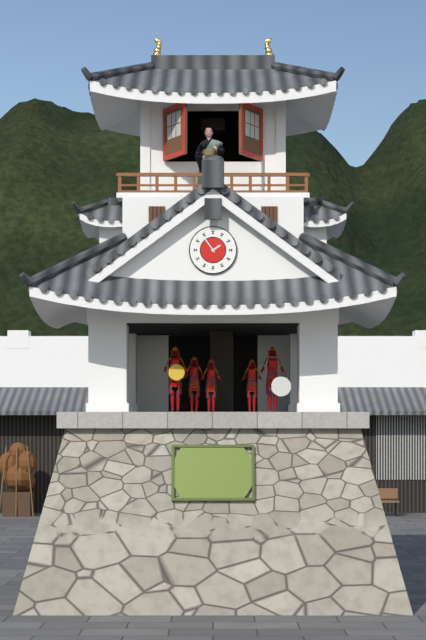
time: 1:54
